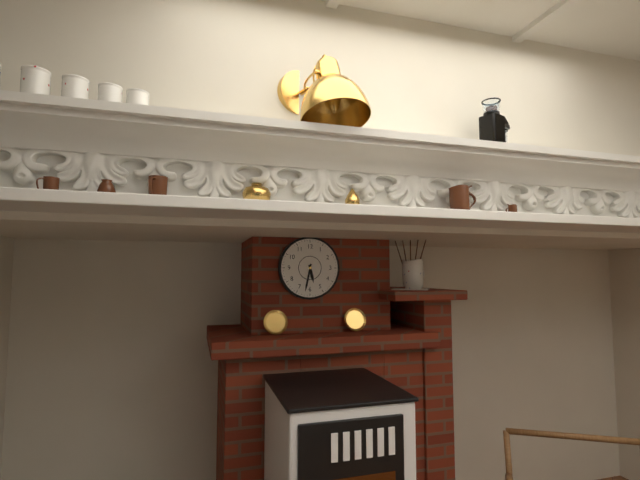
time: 5:32
